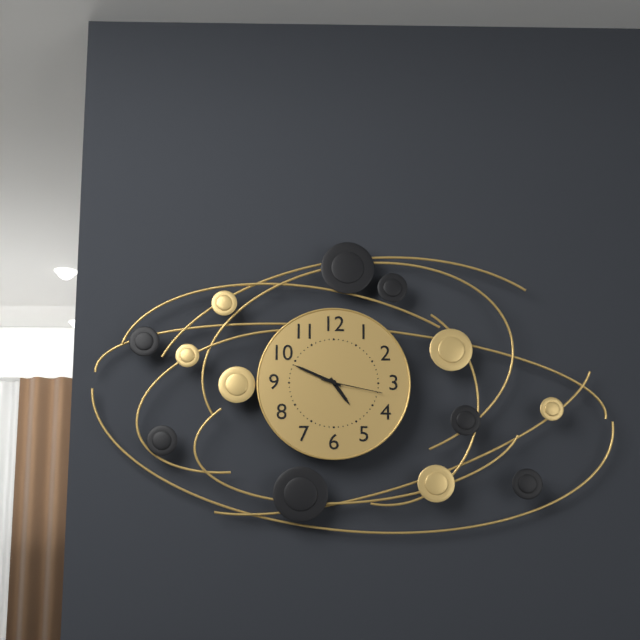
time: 4:49:17
